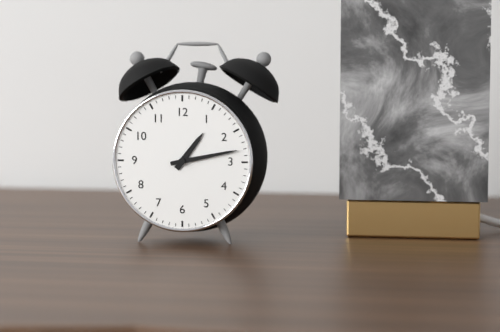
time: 1:13
